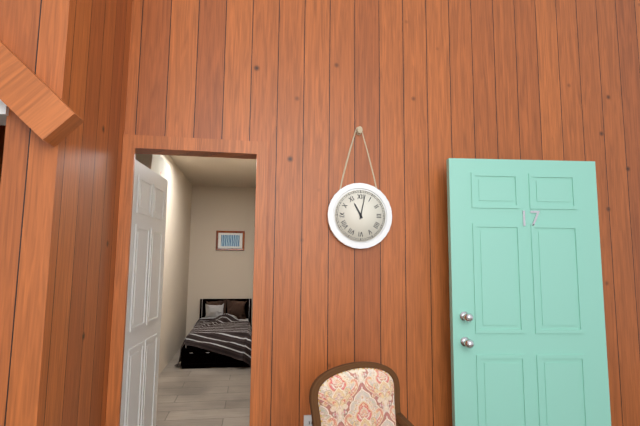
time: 11:02
